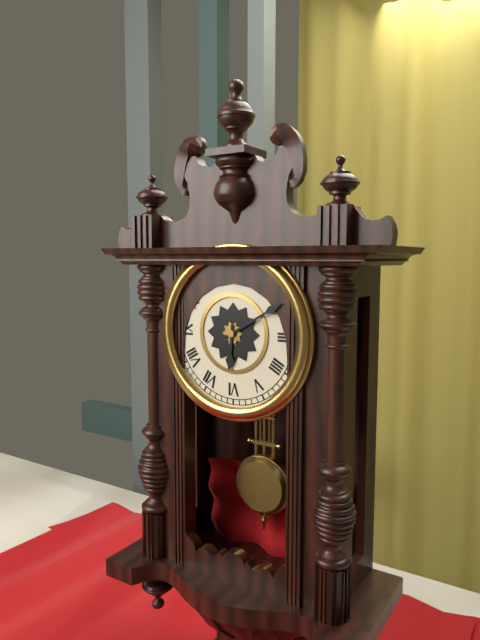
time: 6:10
